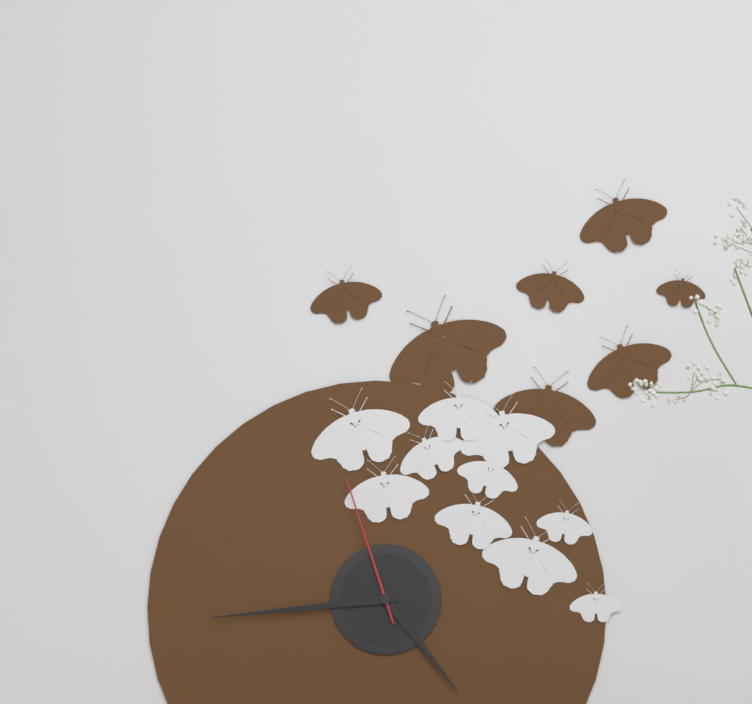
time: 4:44:57
